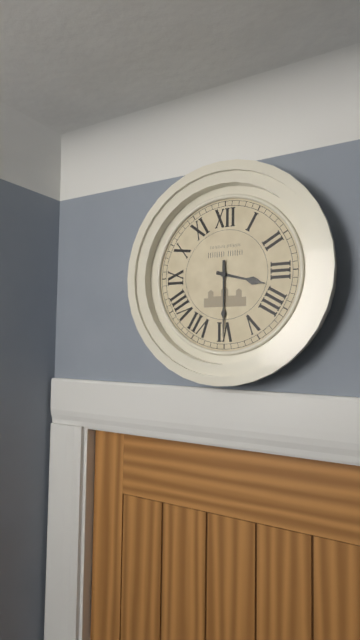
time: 3:30
